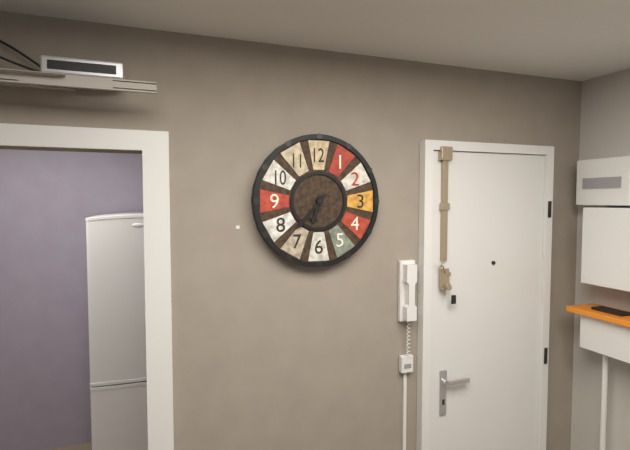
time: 6:37
